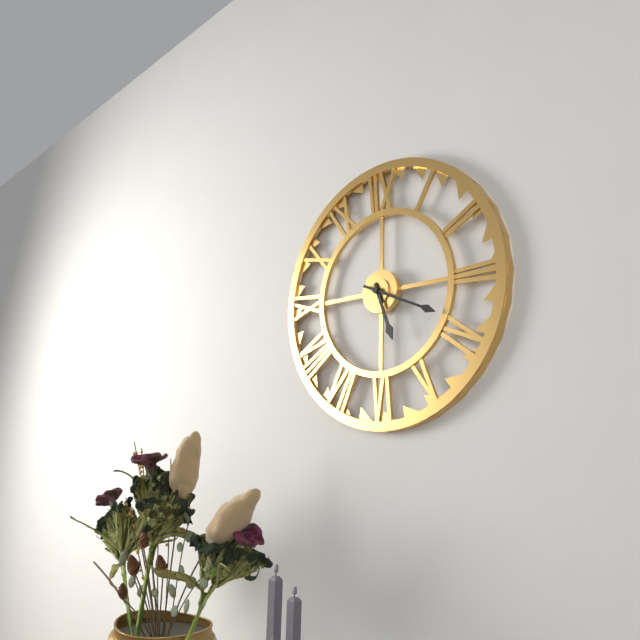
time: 5:19
